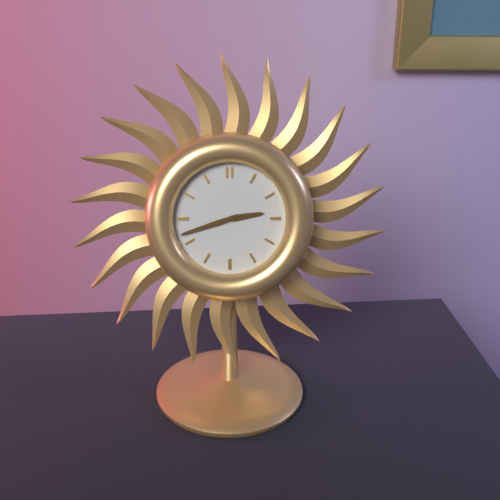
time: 2:42
